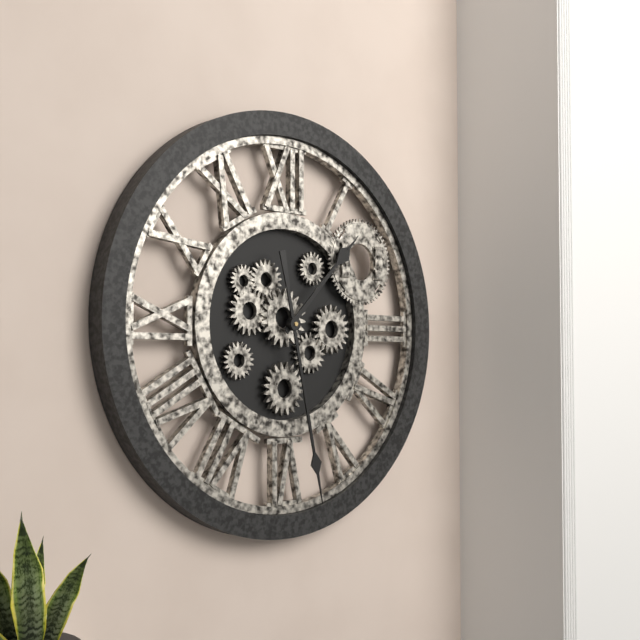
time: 1:28
